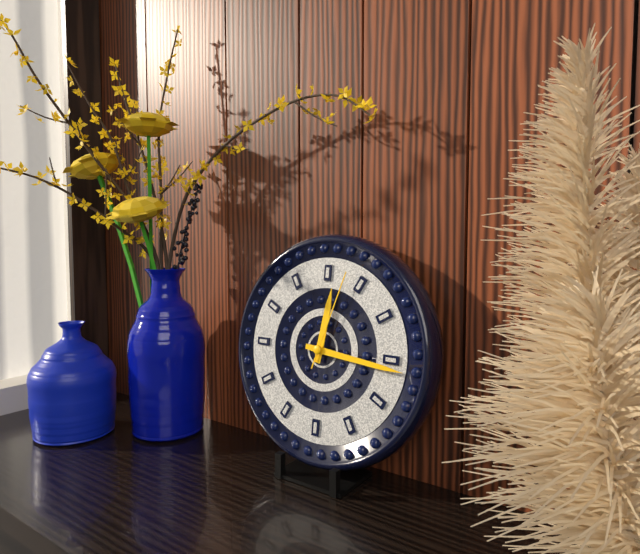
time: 12:16:03
